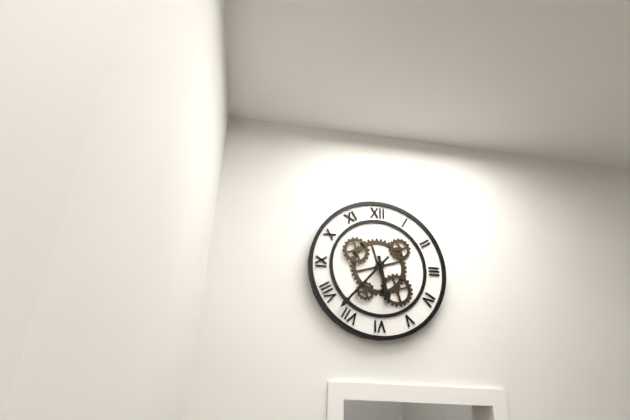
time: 5:37
